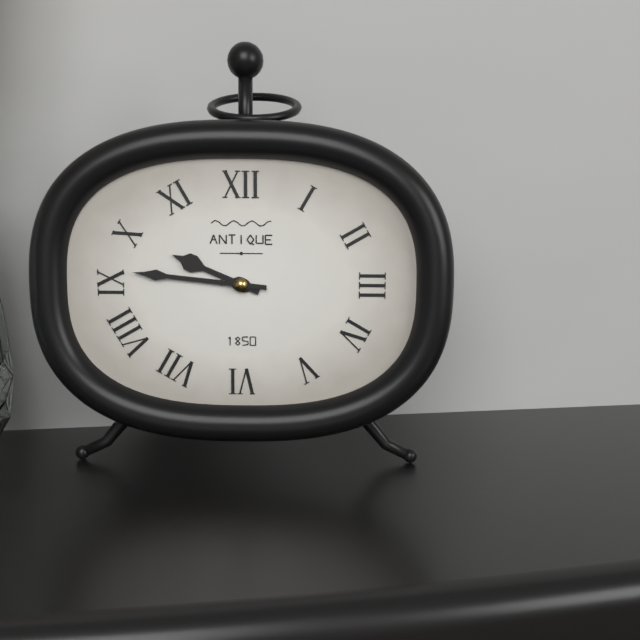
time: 9:46
